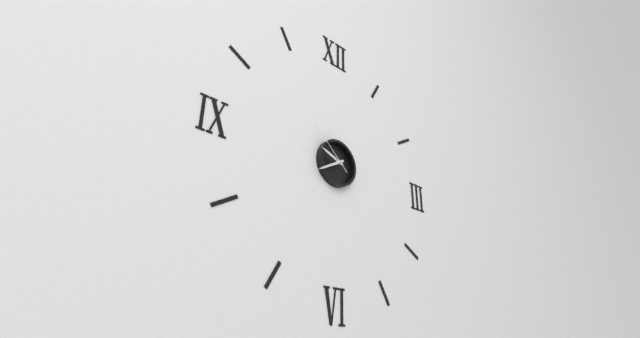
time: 9:40:52
